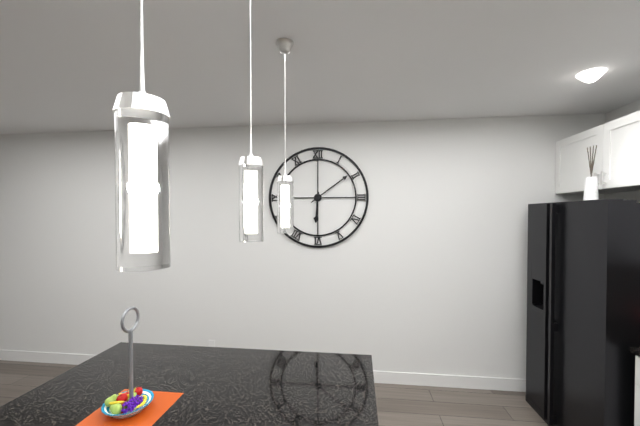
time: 6:09
